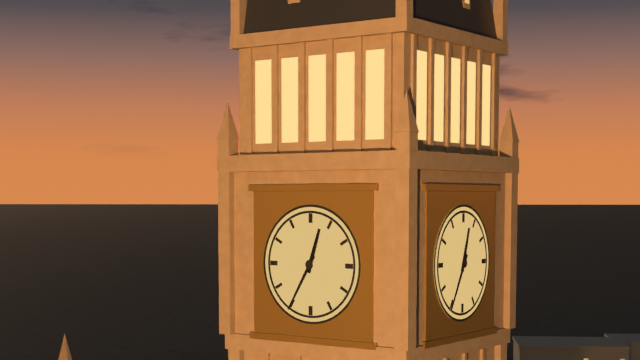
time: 12:35
